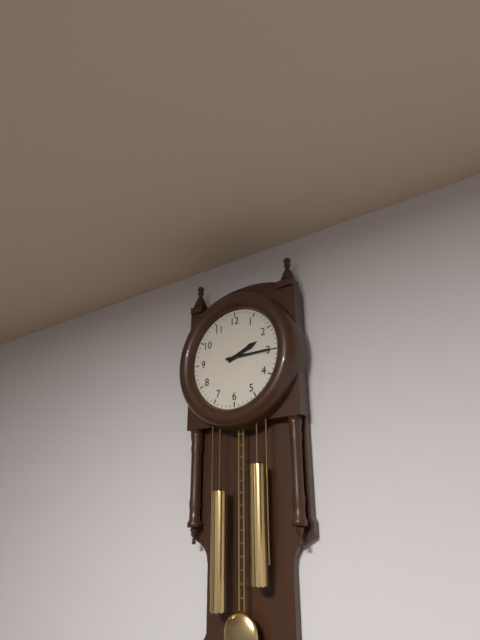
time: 2:15
